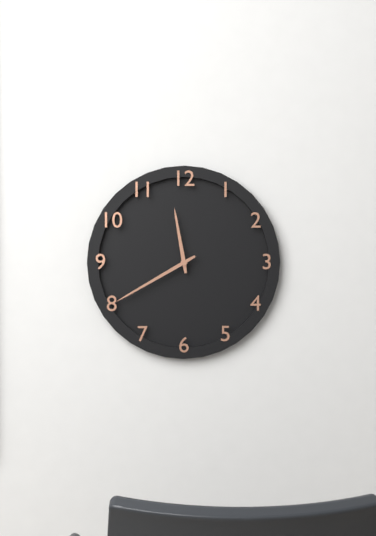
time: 11:40
